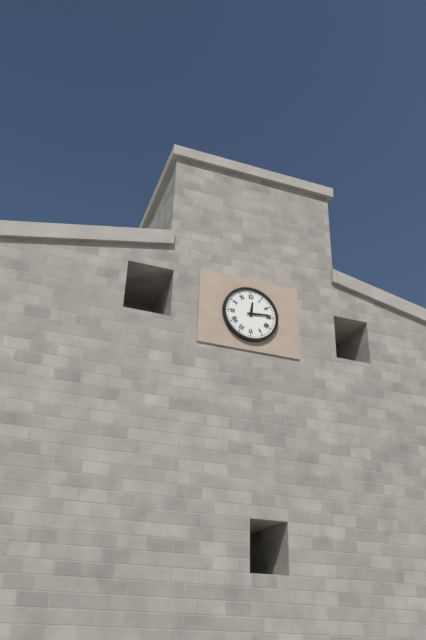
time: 12:14
